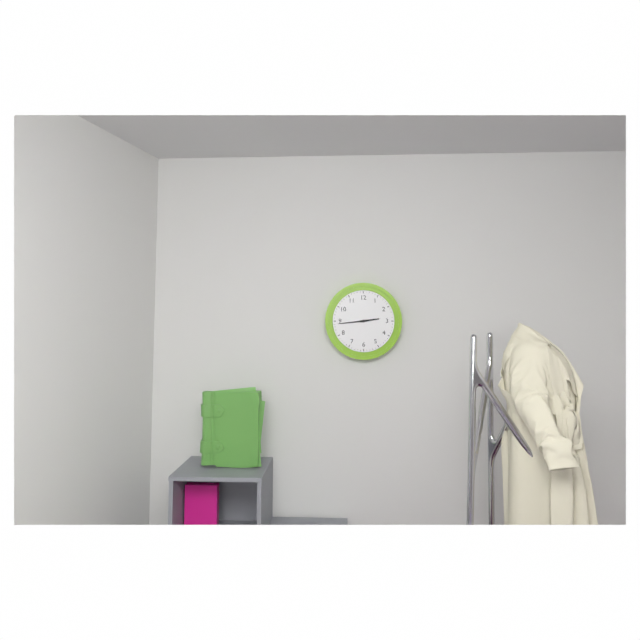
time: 2:44
